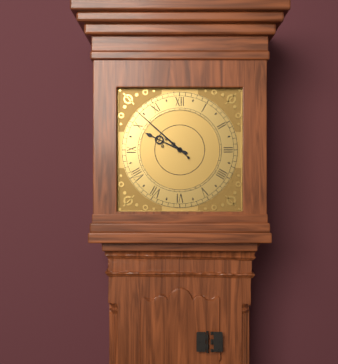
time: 9:52
